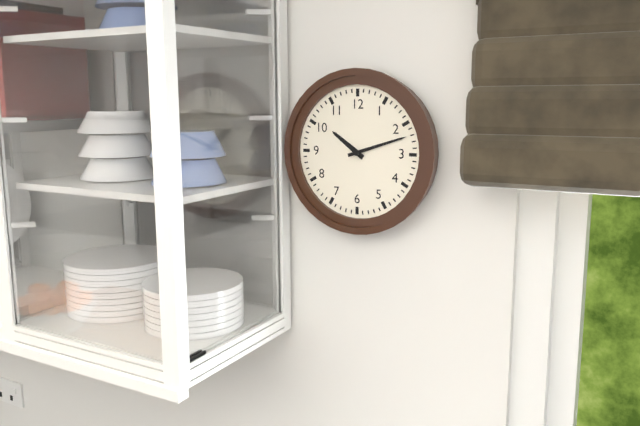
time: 10:12
